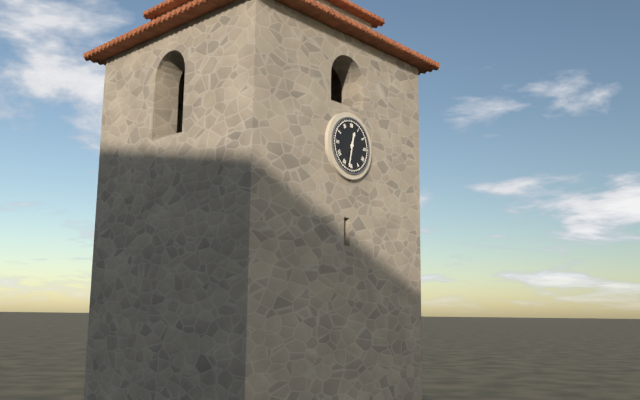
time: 12:32
